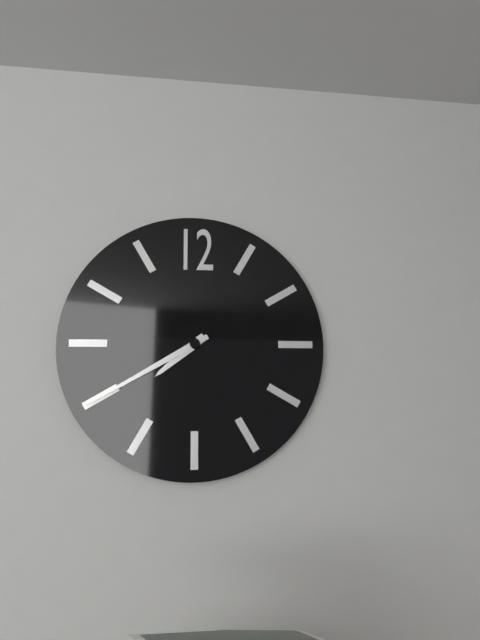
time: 7:40
